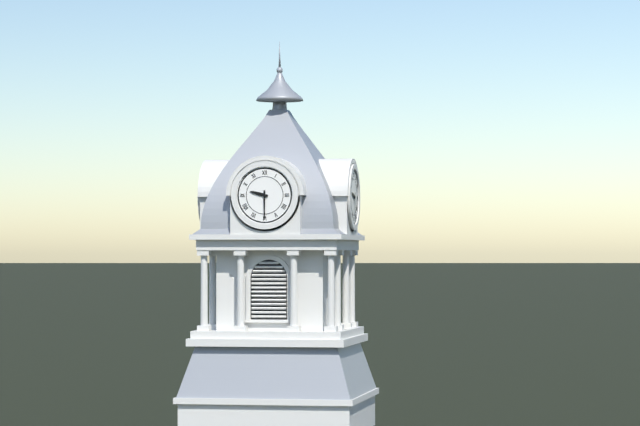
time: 9:30
